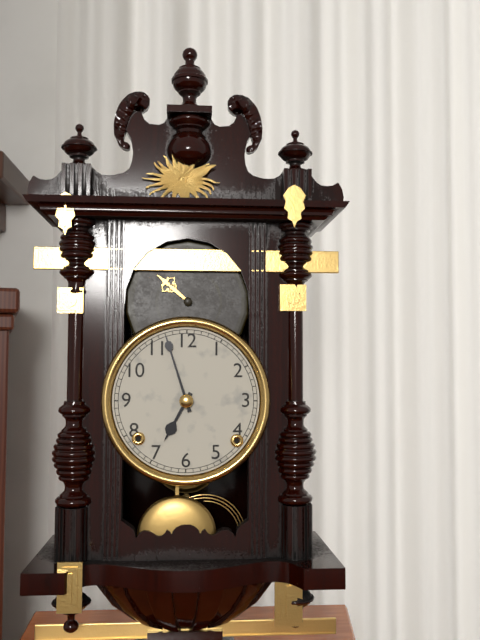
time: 6:57
